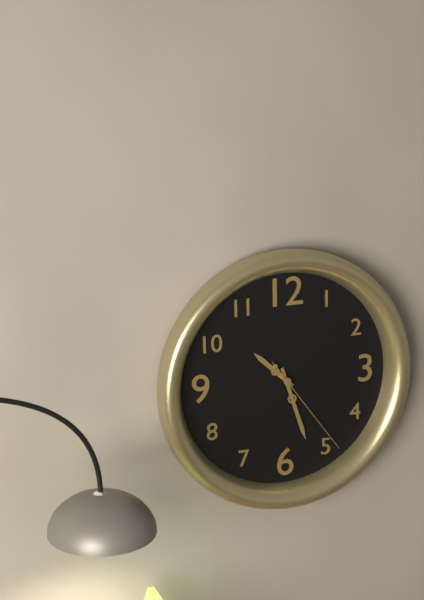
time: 10:27:24
